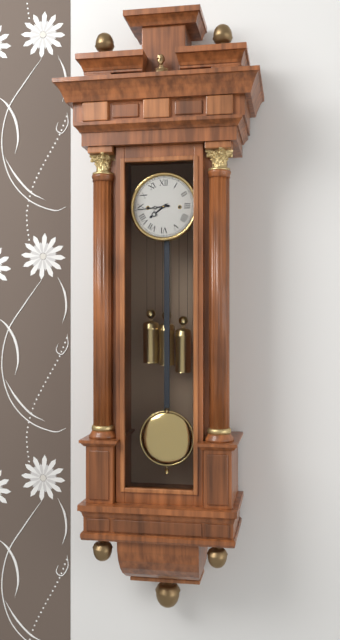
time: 7:44
